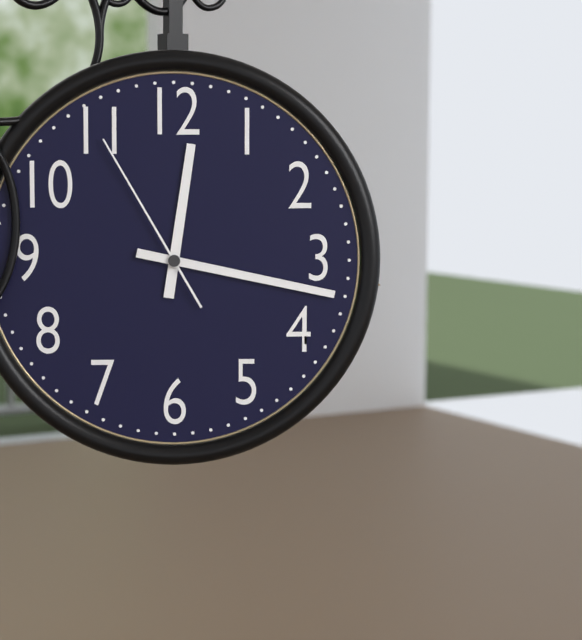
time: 12:17:55
